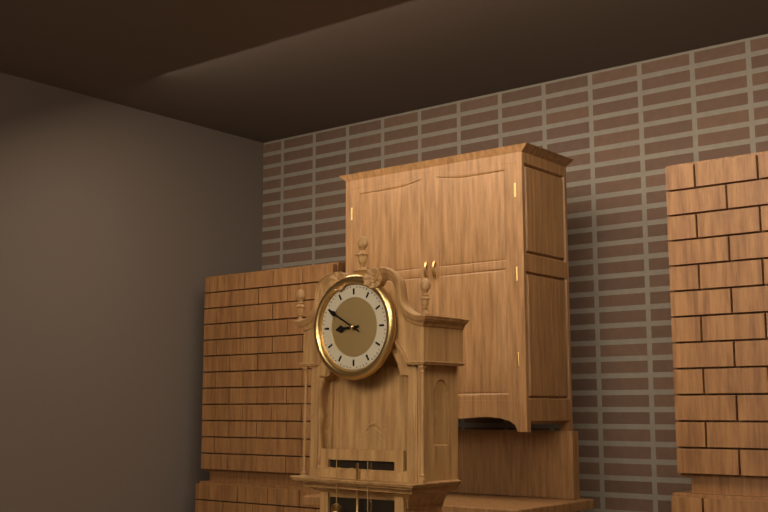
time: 8:50
